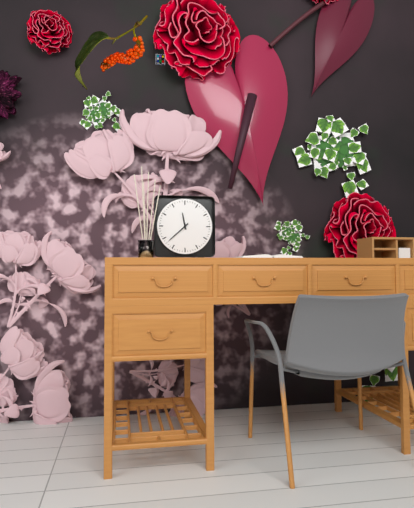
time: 11:38
